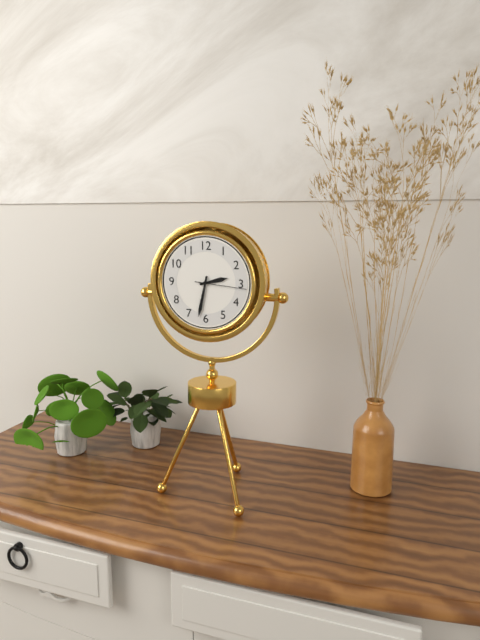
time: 2:32:16
